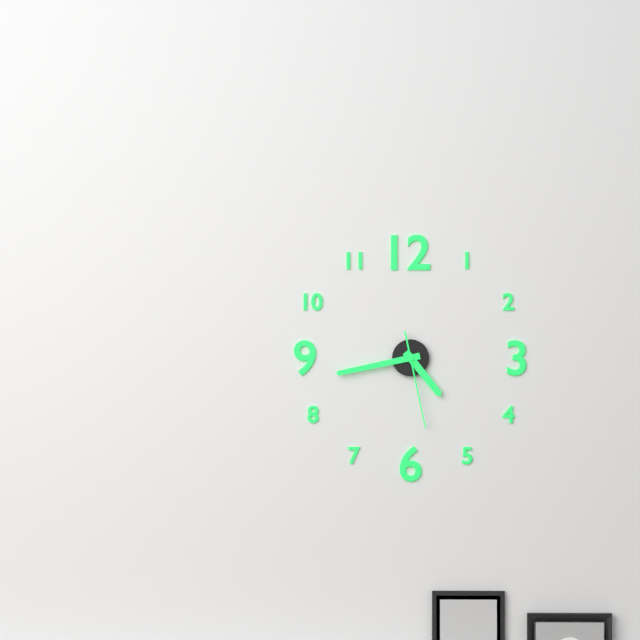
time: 4:43:28
